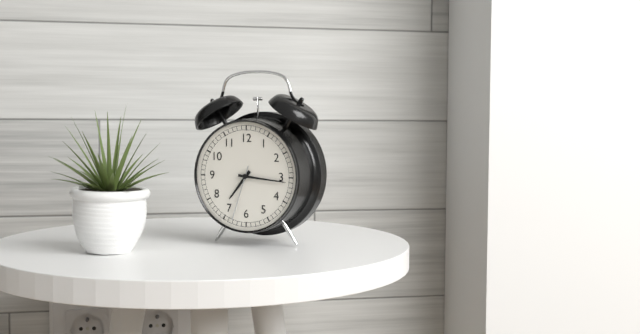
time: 7:16:33
